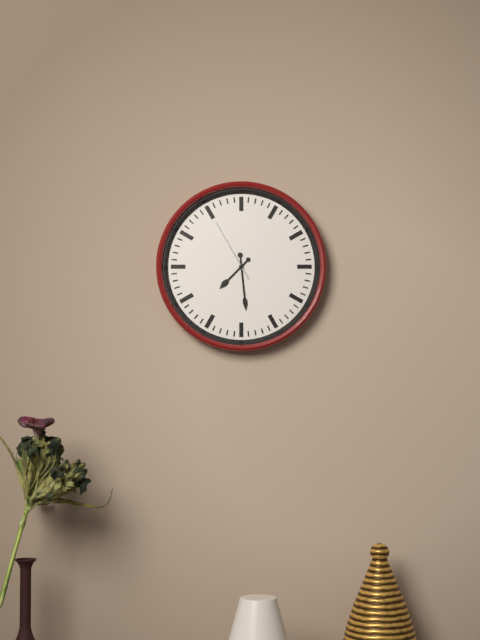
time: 7:29:55
